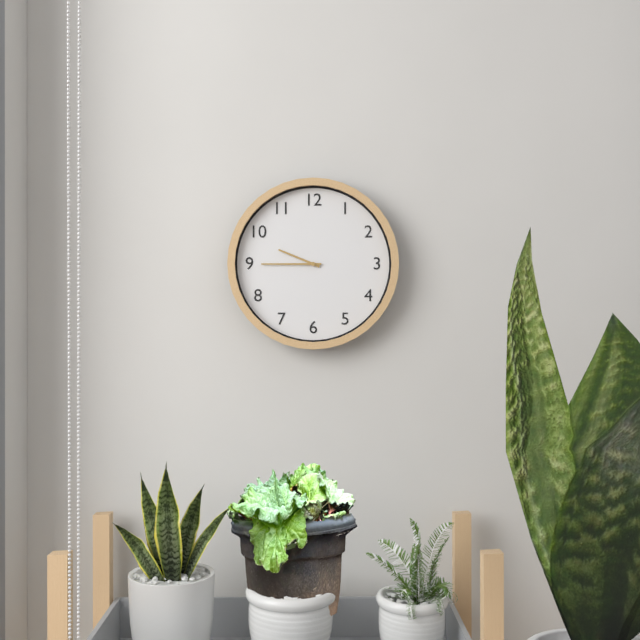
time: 9:45
